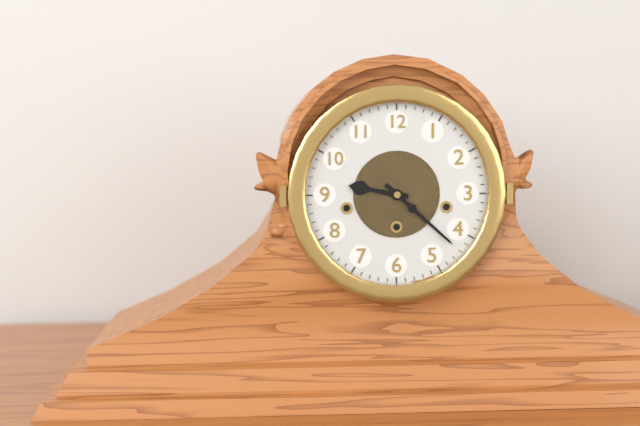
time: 9:22
